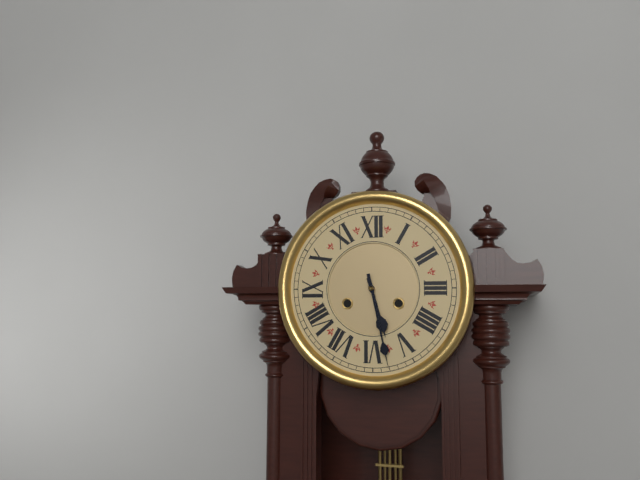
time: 5:28
